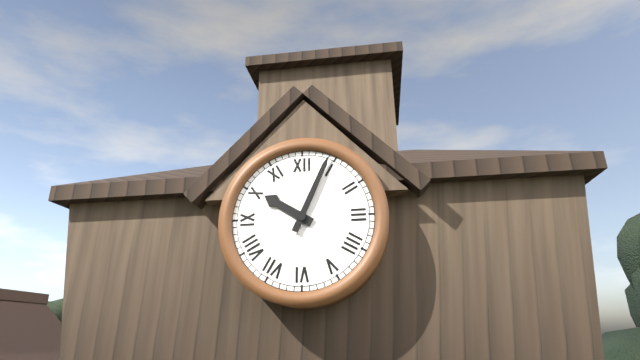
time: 10:04
